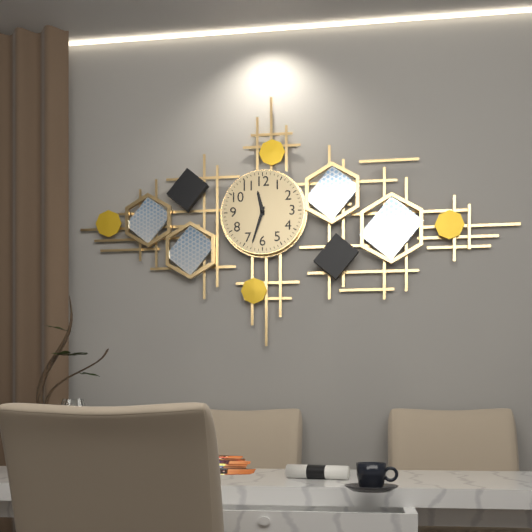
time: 11:33
